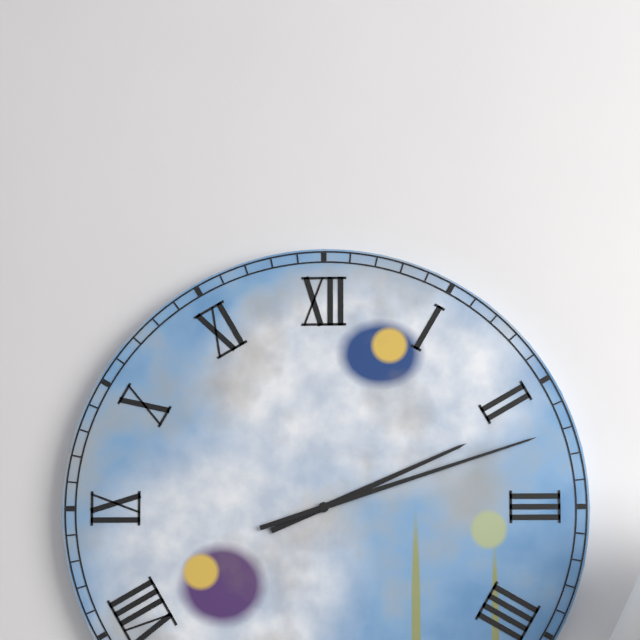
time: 2:12
